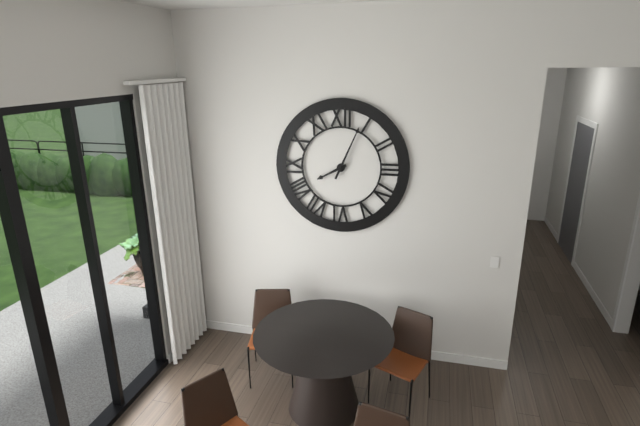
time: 8:04
